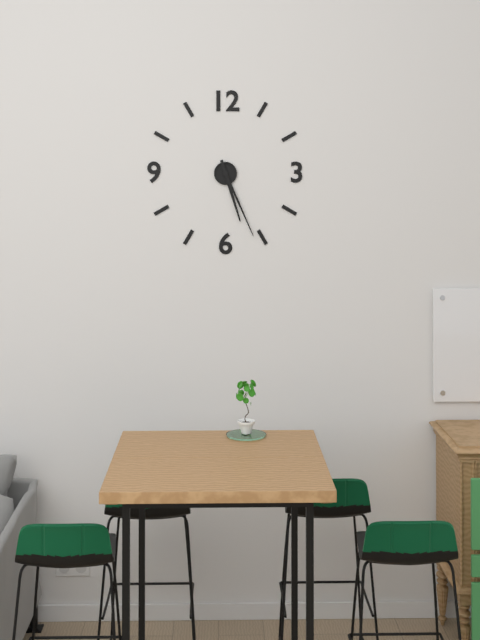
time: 5:26
